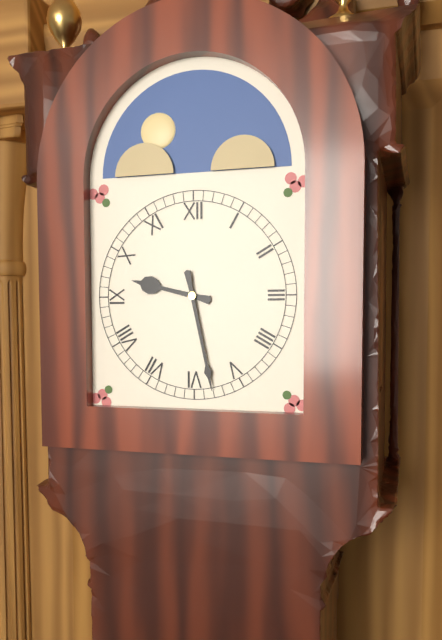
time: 9:28
